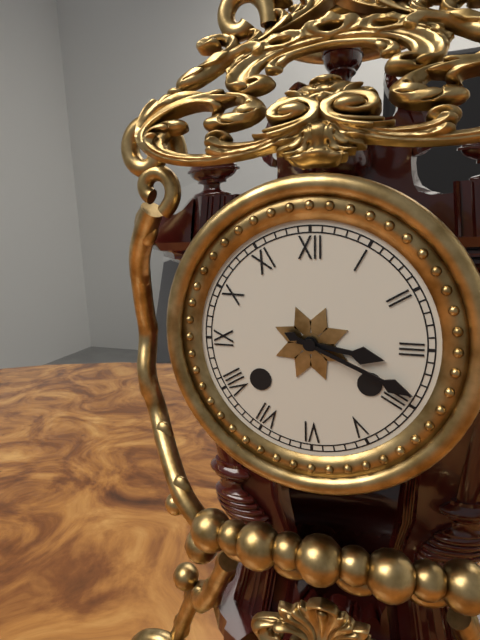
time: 3:19
